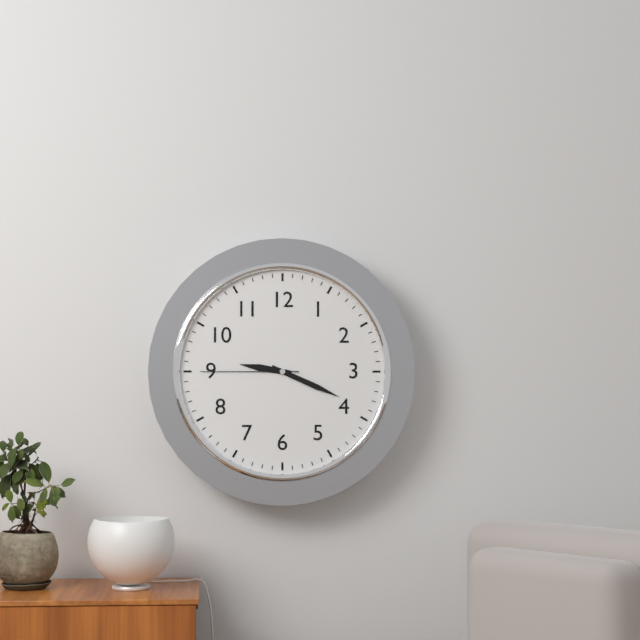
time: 9:19:45
